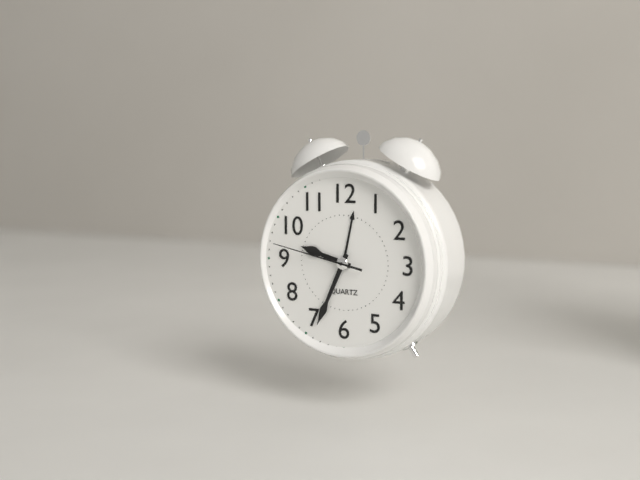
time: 9:34:47
